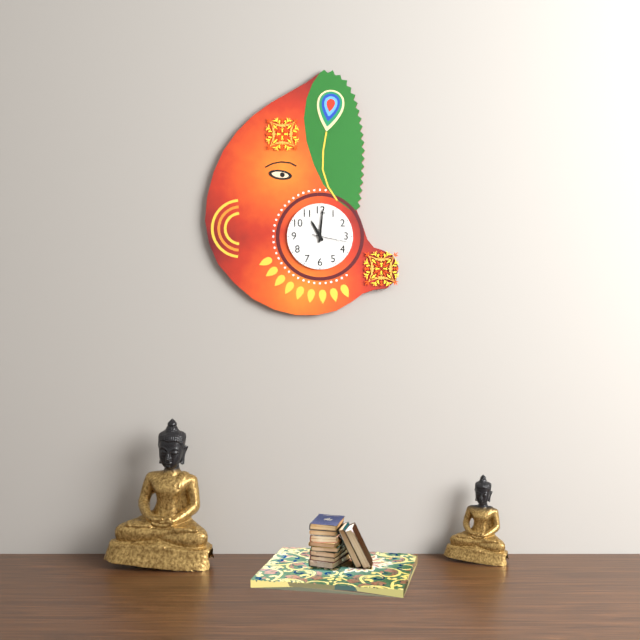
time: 11:01
